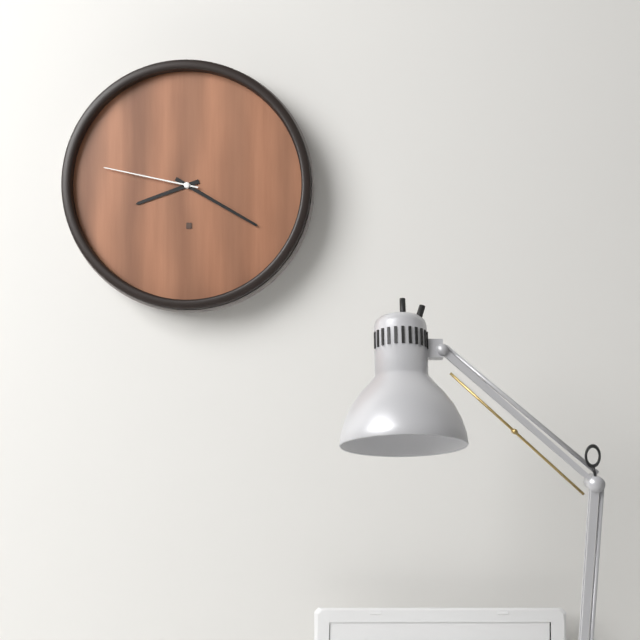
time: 8:20:47
